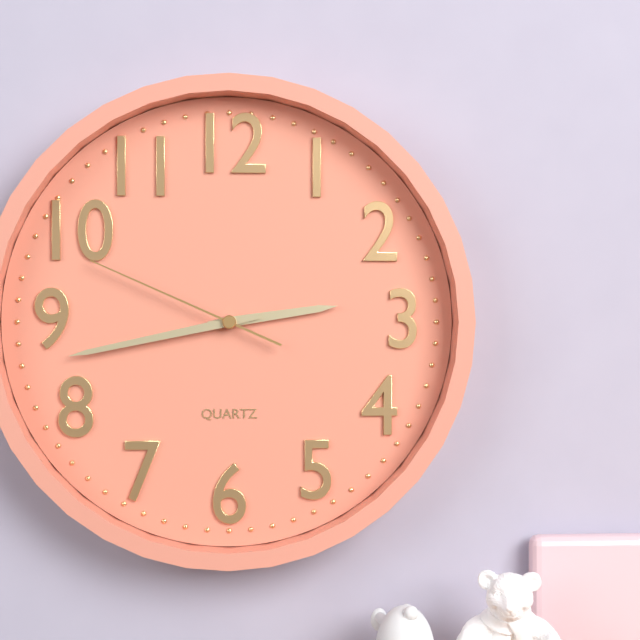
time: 2:43:49
